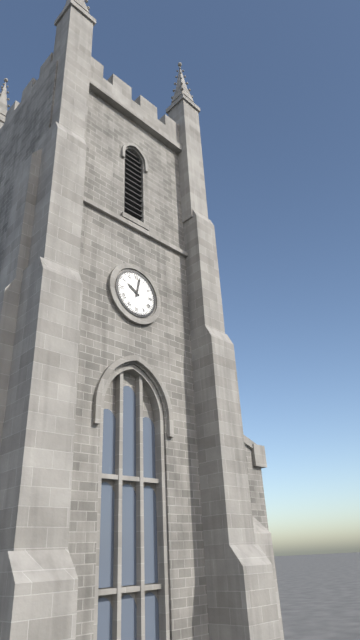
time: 10:02
